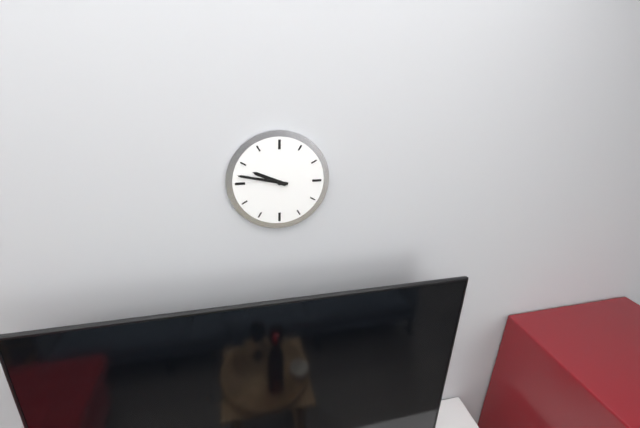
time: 9:47
